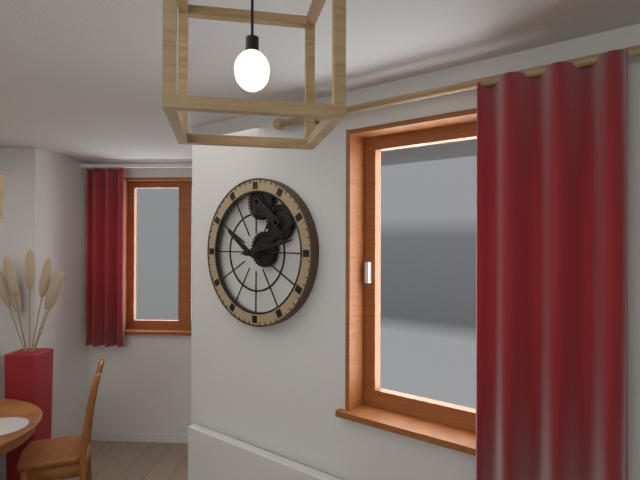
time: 10:13
